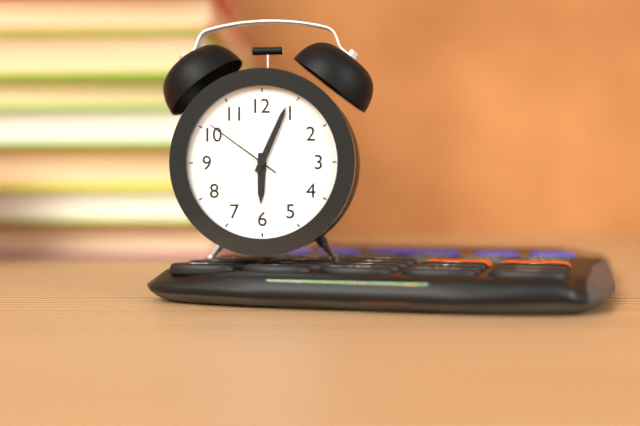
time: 6:04:51
